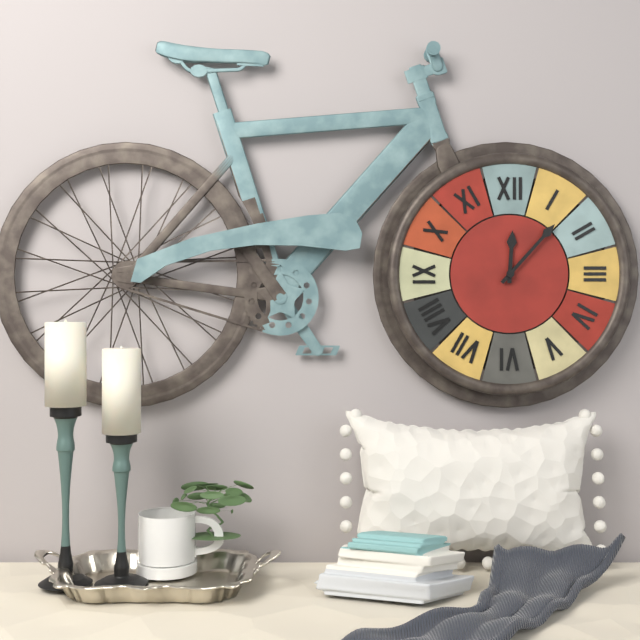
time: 12:07
